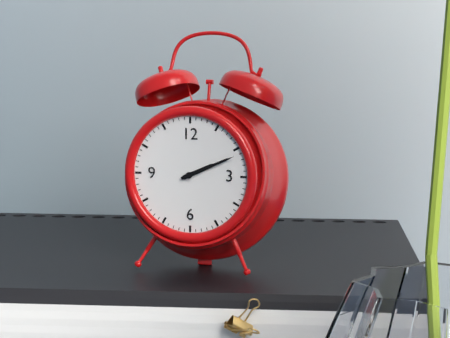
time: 2:11
